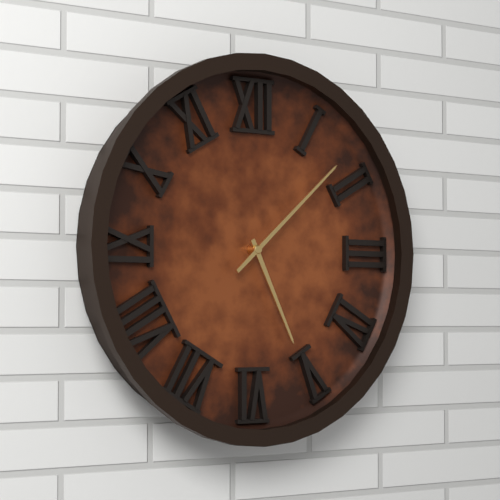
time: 5:08
